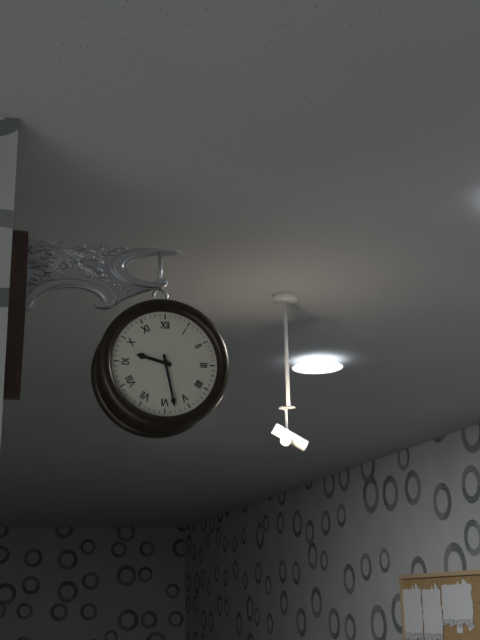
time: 9:28
